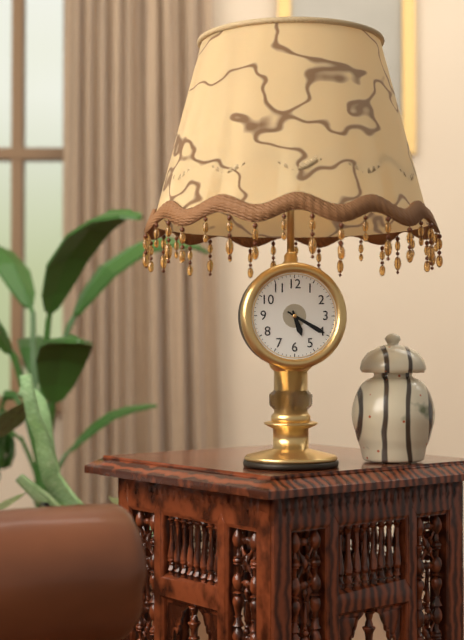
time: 5:20
